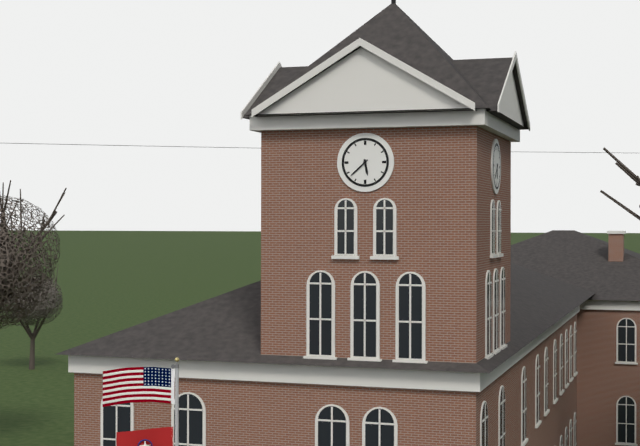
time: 5:38
